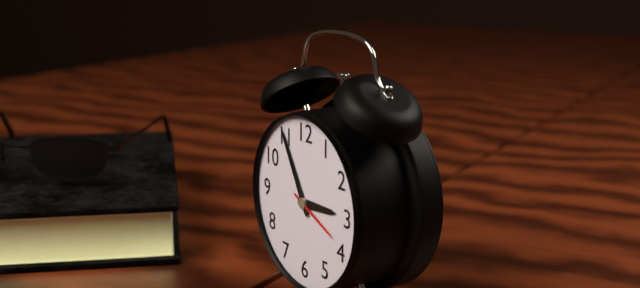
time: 2:55:19
